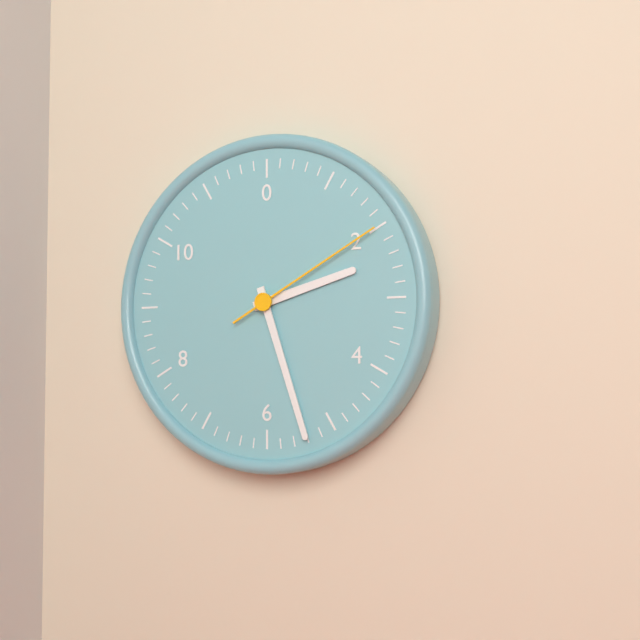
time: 2:27:10
